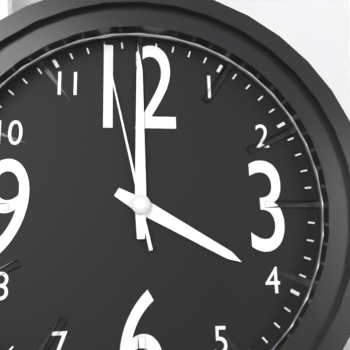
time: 4:00:58
